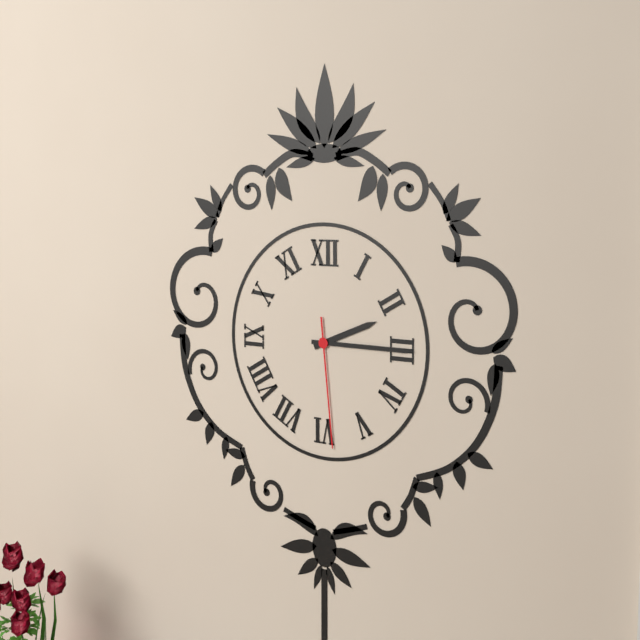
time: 2:15:29
